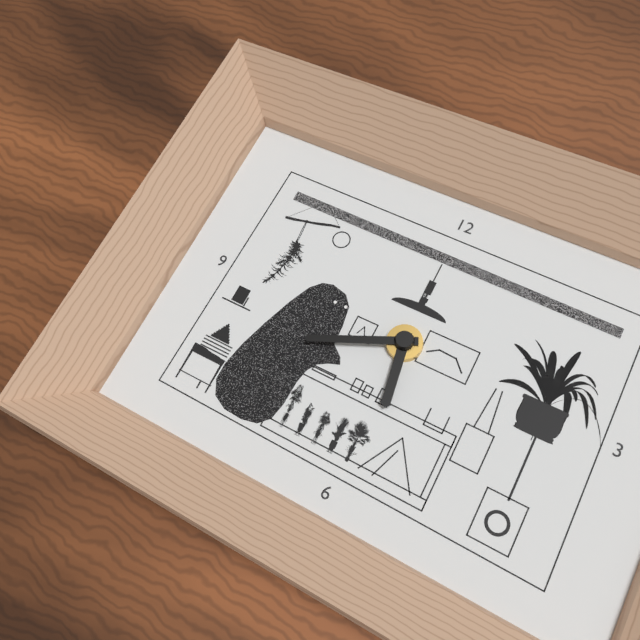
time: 5:41
